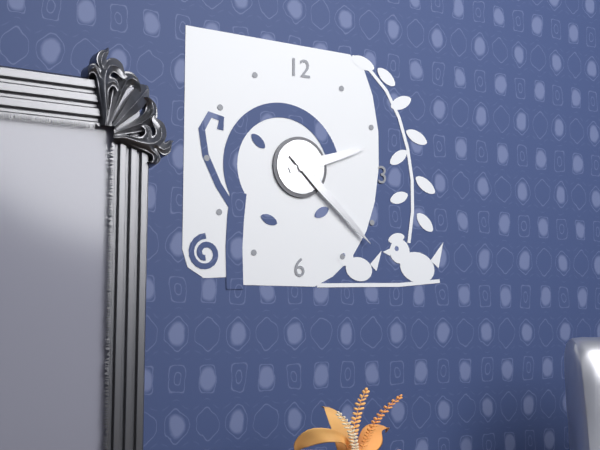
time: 2:22
